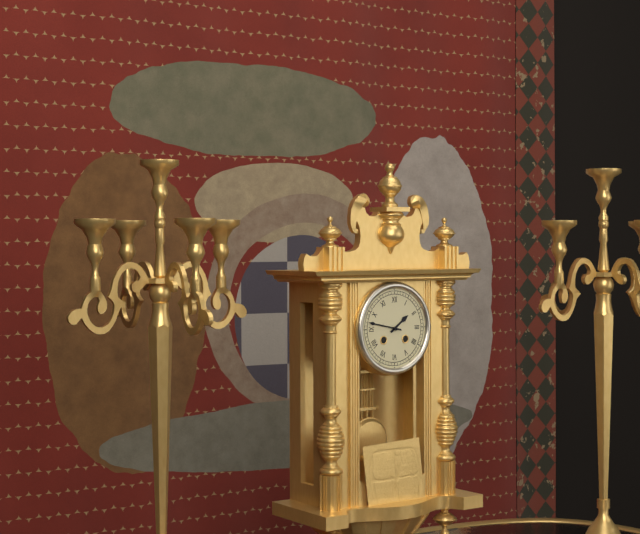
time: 1:47
